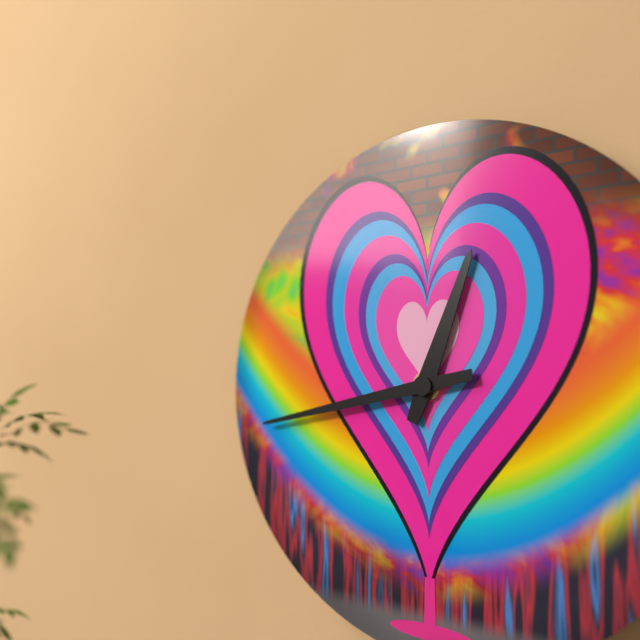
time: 12:43
